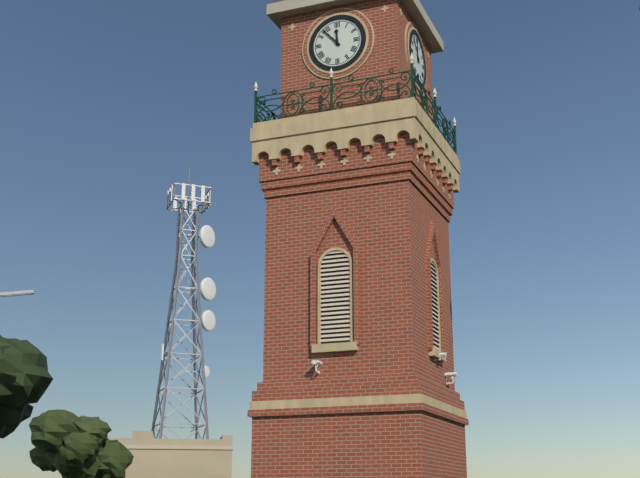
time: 11:53
